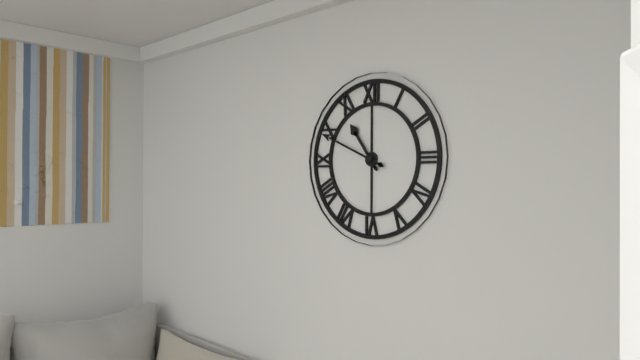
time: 10:49
